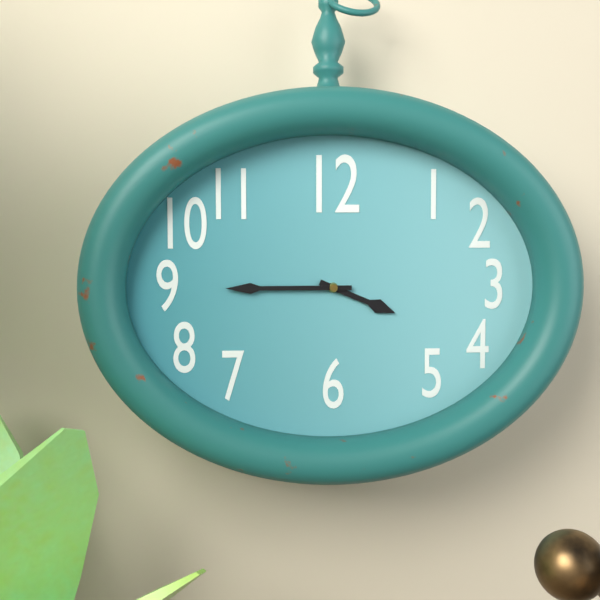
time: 3:45
